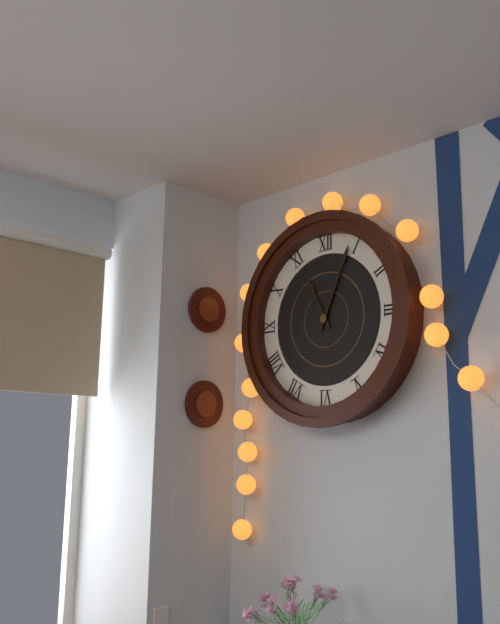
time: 11:04
